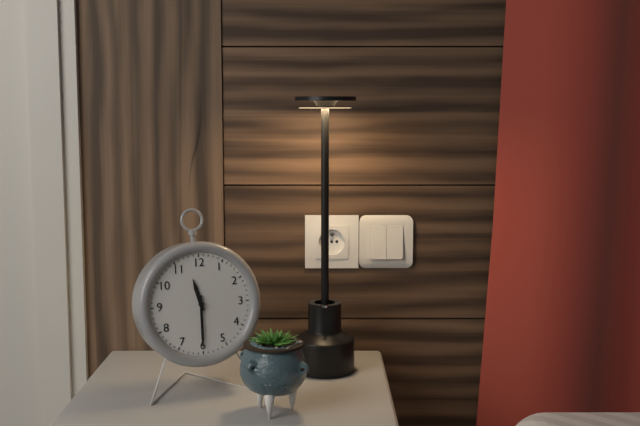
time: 11:30
